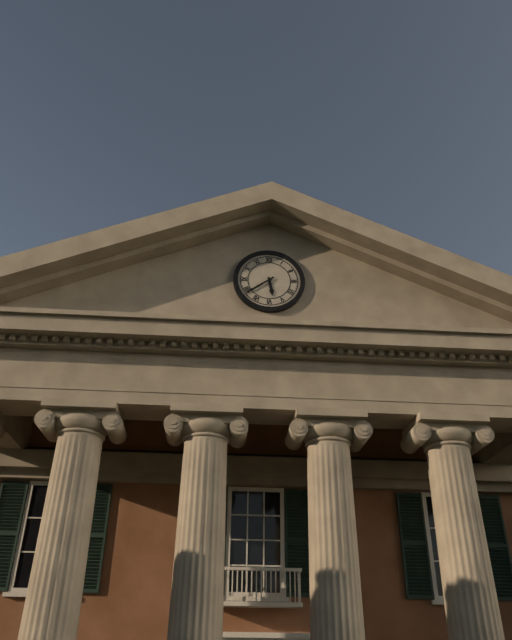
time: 5:39
